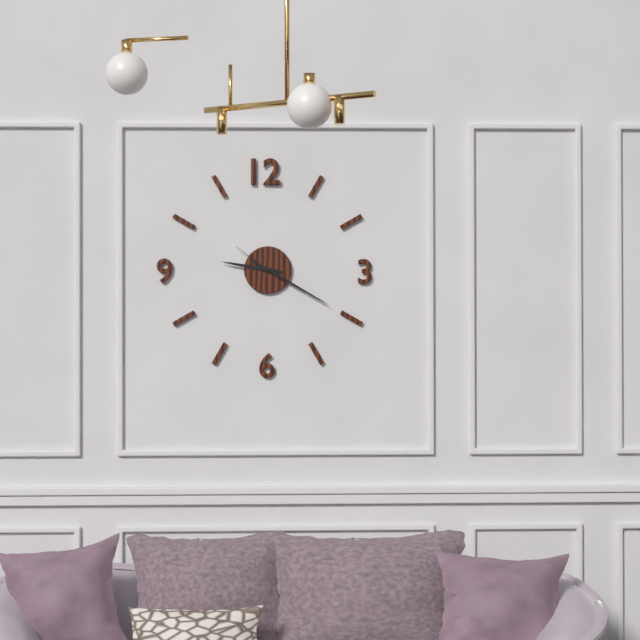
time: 9:20
